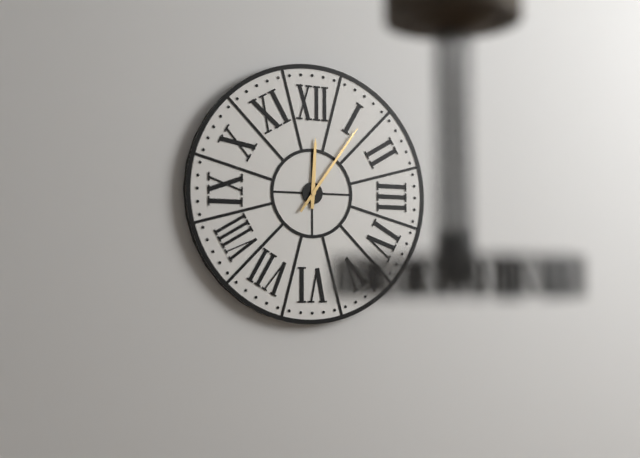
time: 12:06
